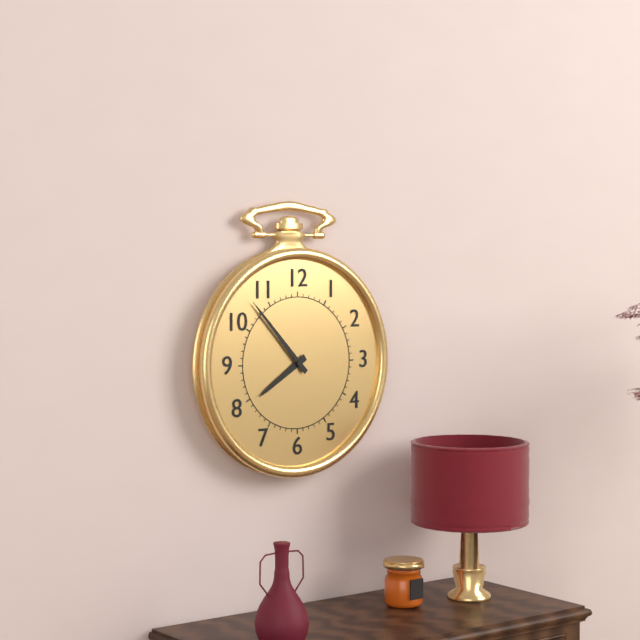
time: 7:53
